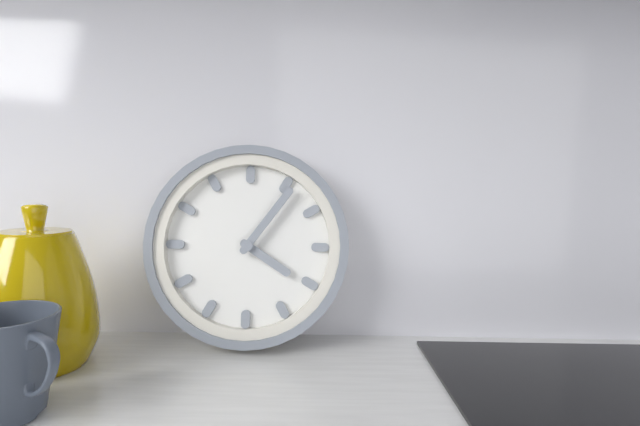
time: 4:06
